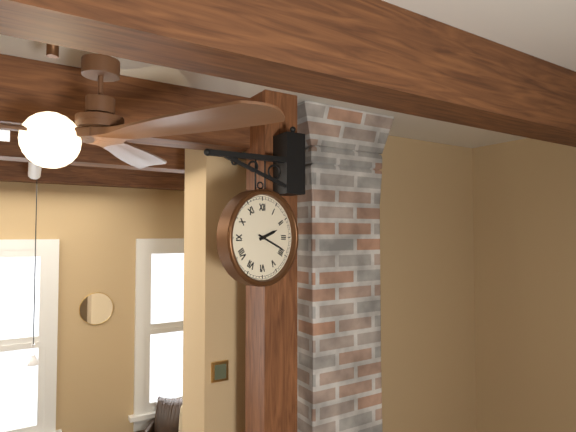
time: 2:19
